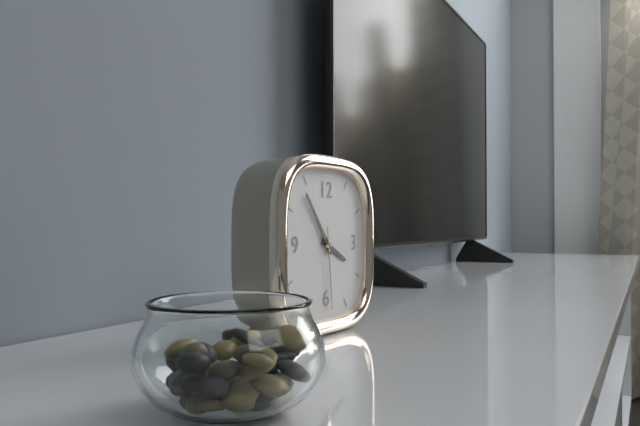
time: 3:54:29
